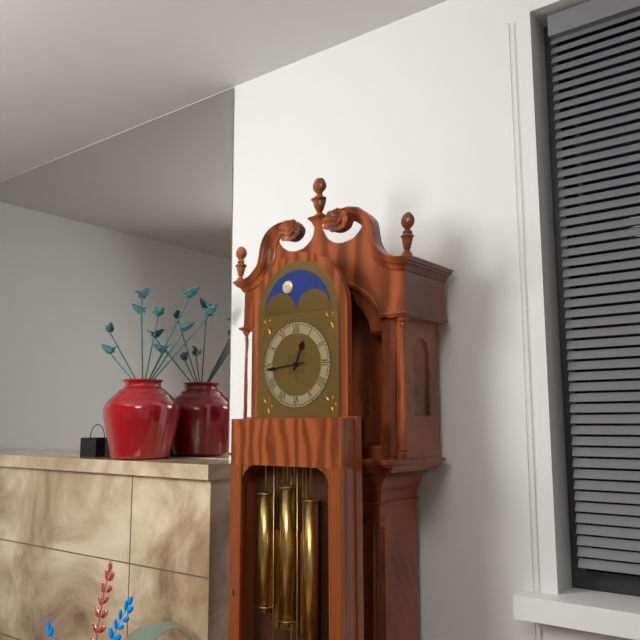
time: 12:44
